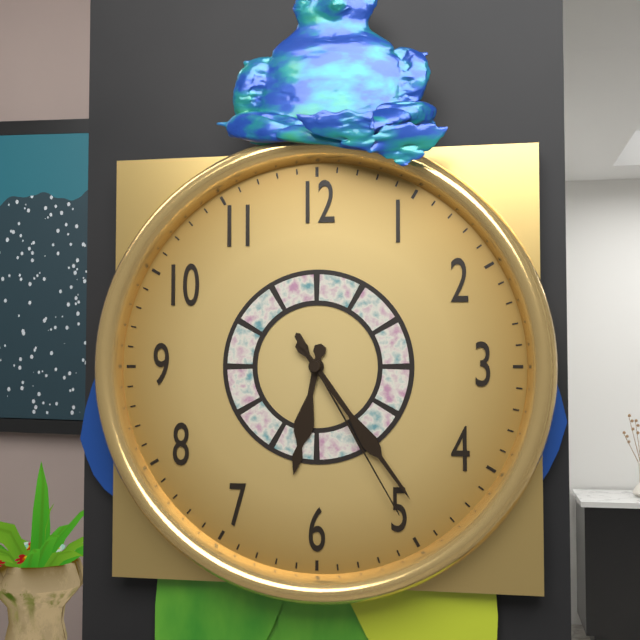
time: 6:24:25
